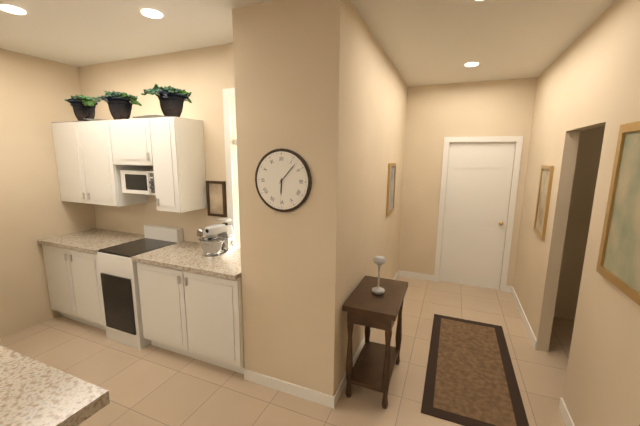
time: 6:07
